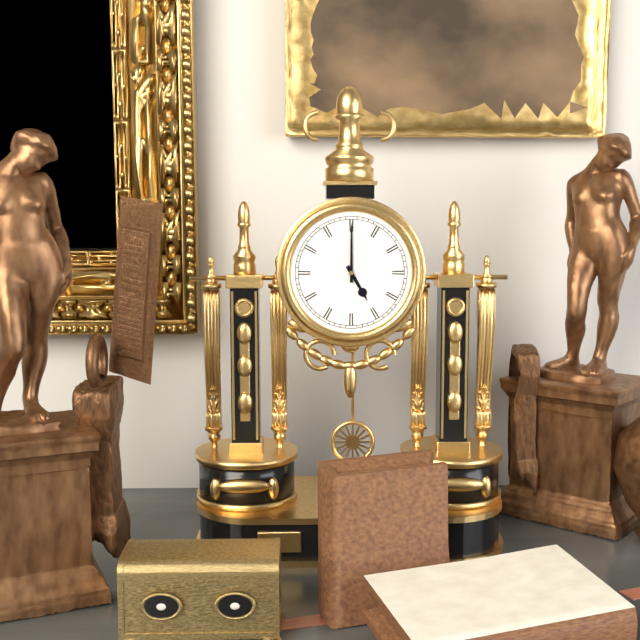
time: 5:00
